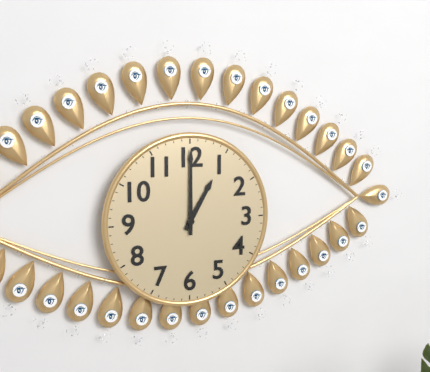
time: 1:00
